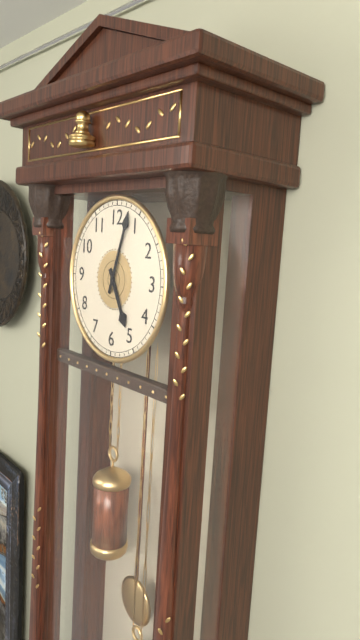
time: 5:03
